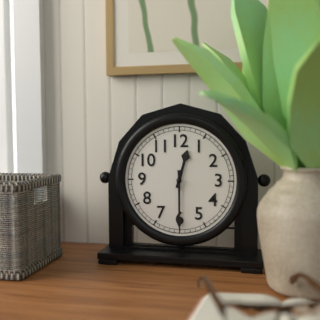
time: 12:30
